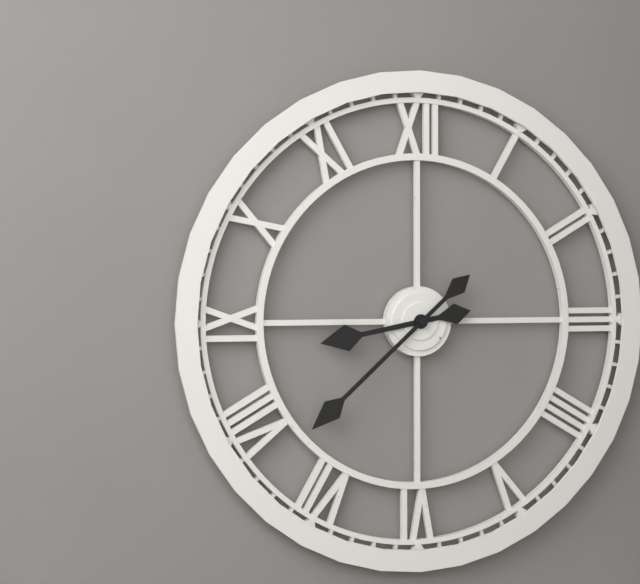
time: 8:38
